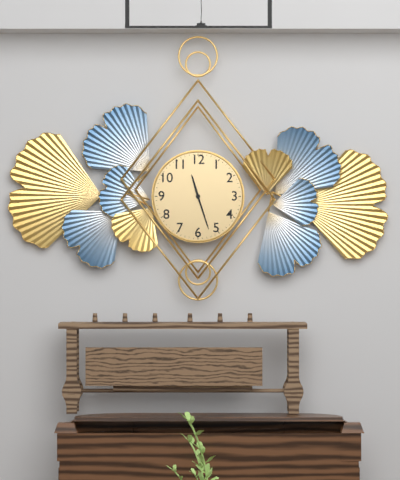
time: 11:27
